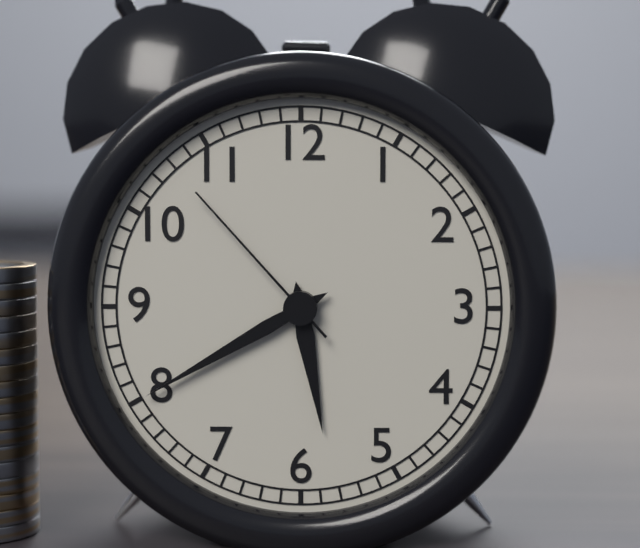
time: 5:40:53
